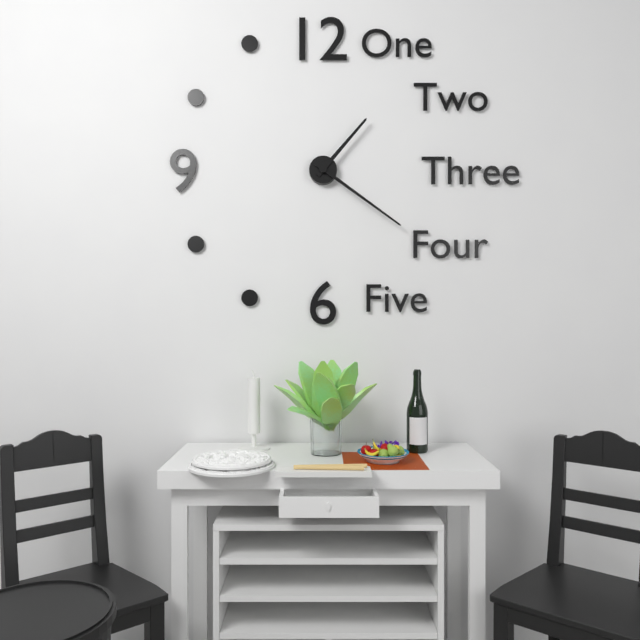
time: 1:21
